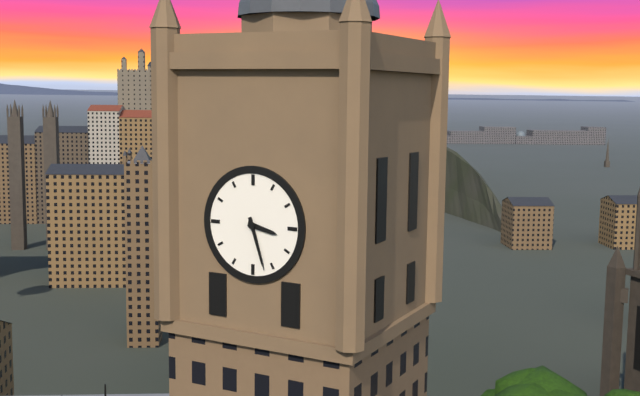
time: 3:27
